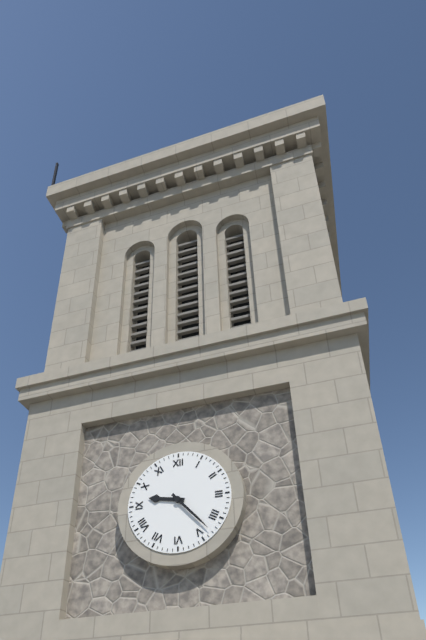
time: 9:23
